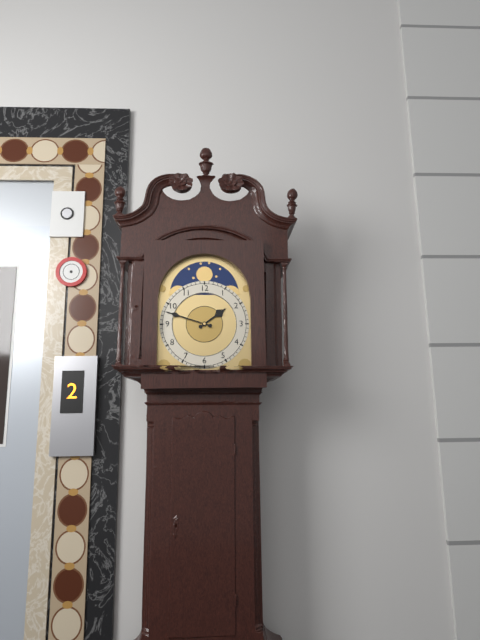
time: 1:48
